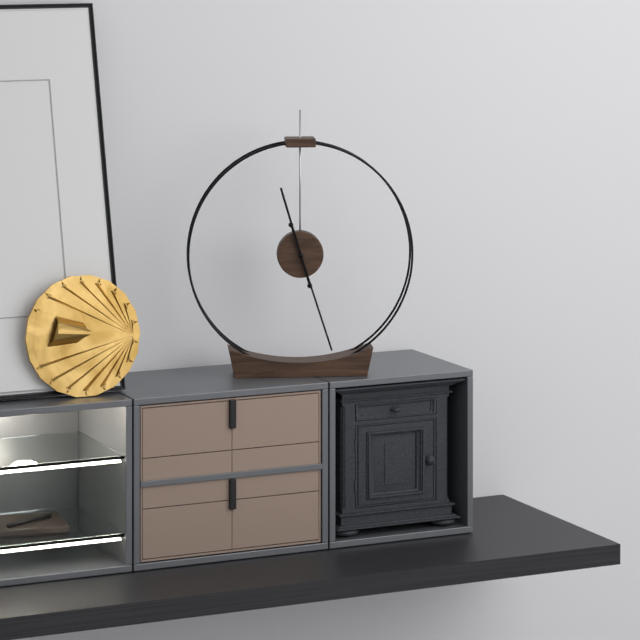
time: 11:27
